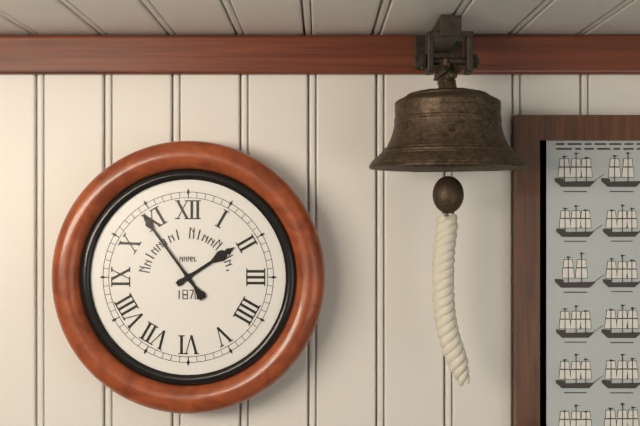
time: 1:54
